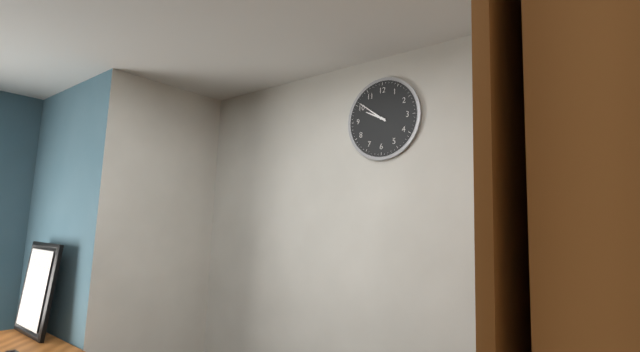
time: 9:51
